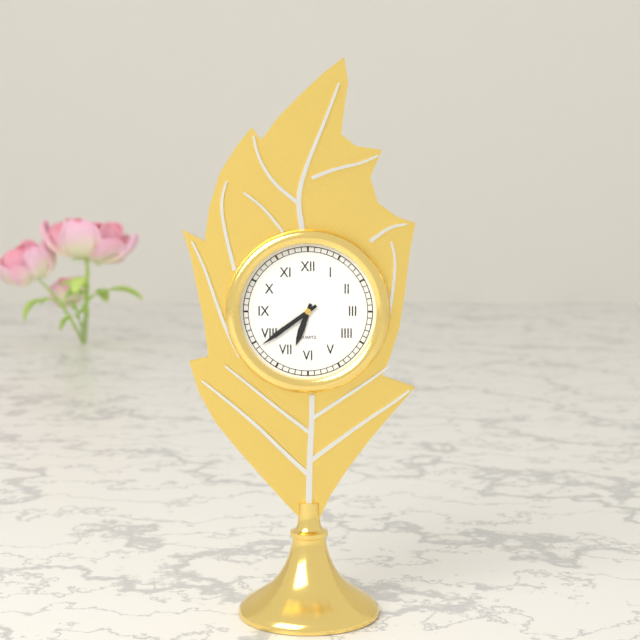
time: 6:39
